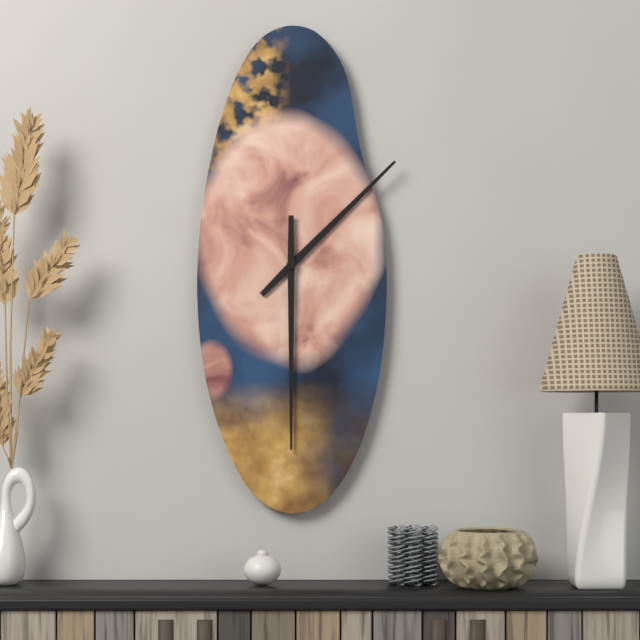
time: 1:30
